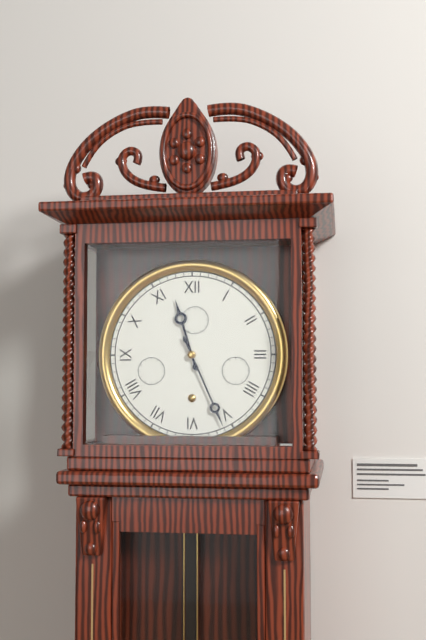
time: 11:26
